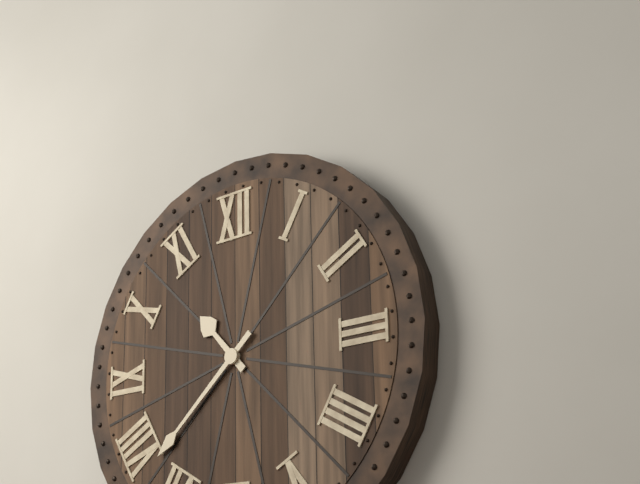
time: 10:38
